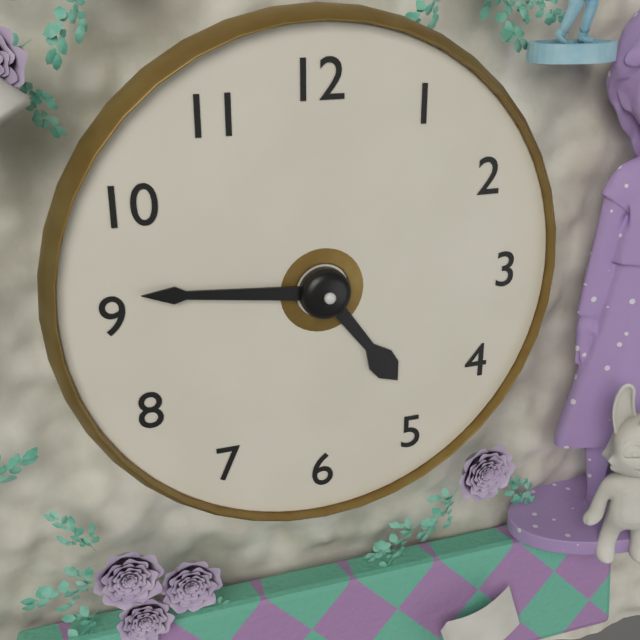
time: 4:46
